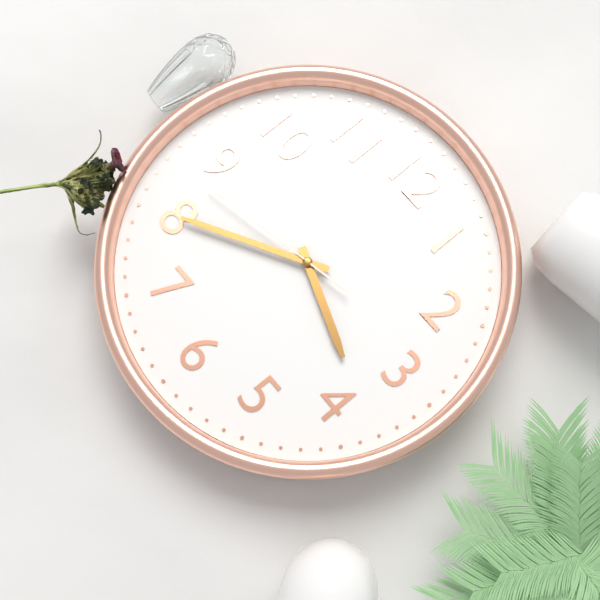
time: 3:40:43
